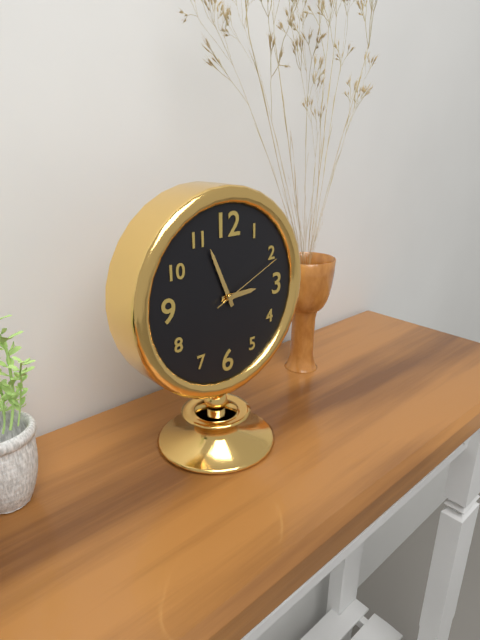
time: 2:56:11
